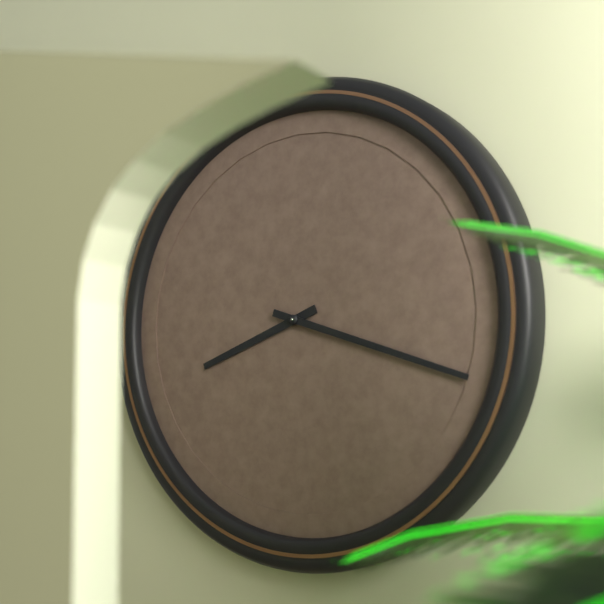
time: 8:18
